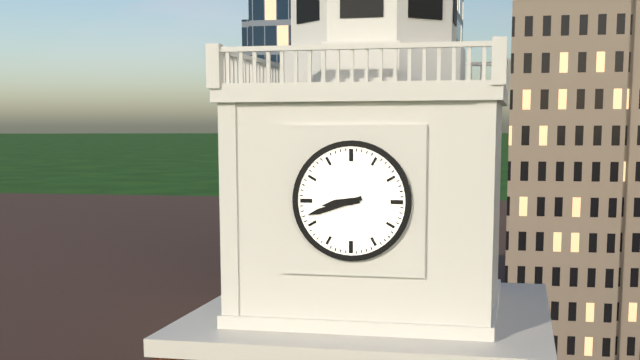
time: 8:42
